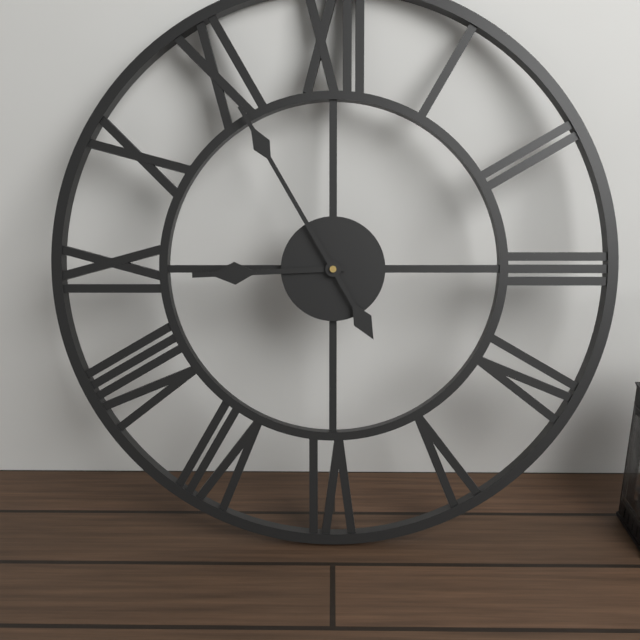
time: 8:55
